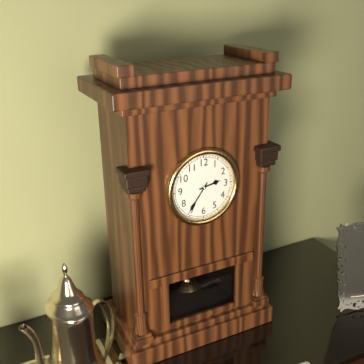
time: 2:36
